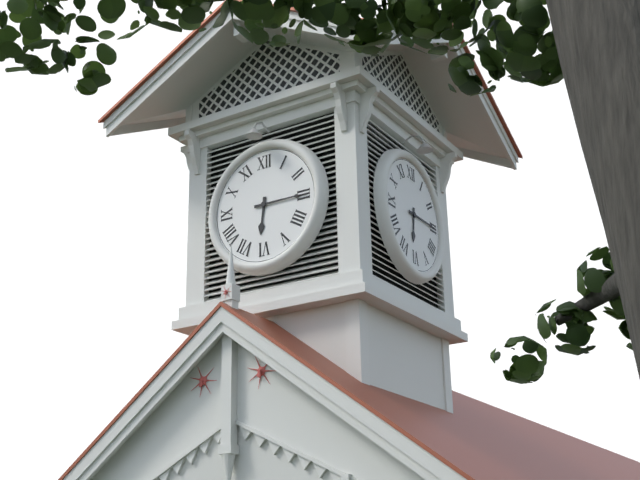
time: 6:15
